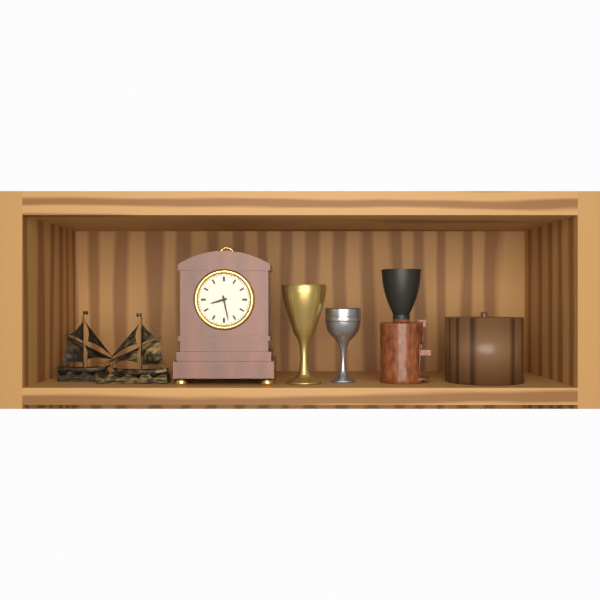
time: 8:28
